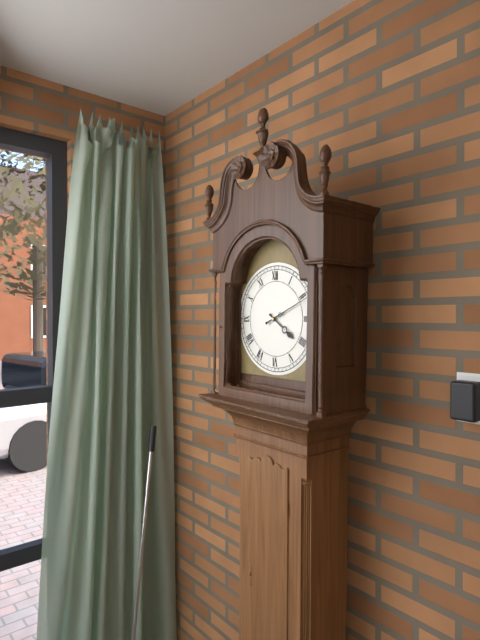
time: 4:11
